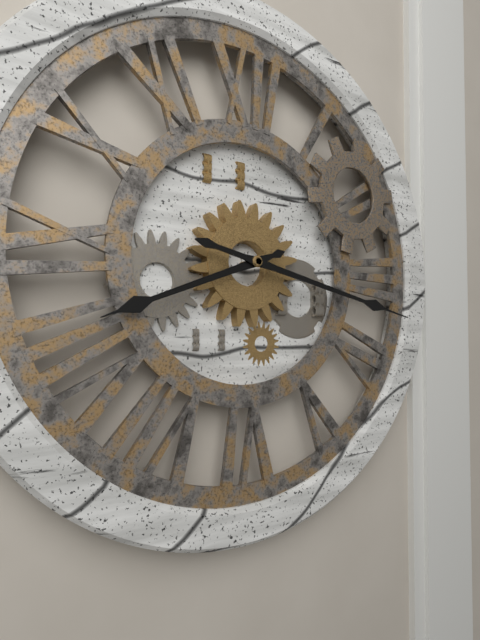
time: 8:17
